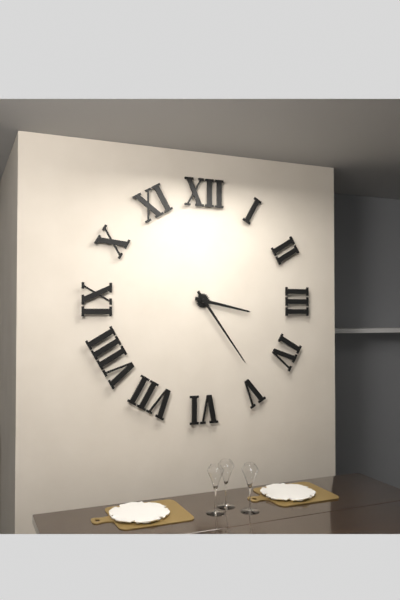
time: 3:24
